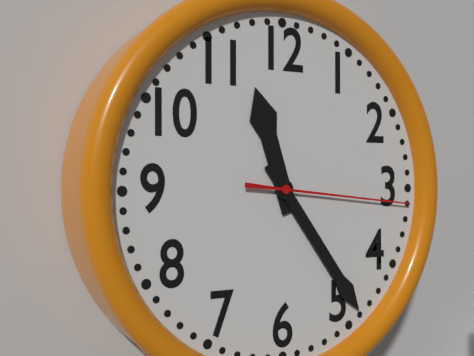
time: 11:24:16
